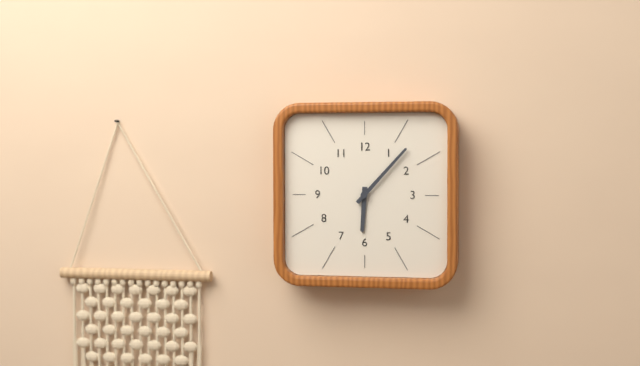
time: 6:07
